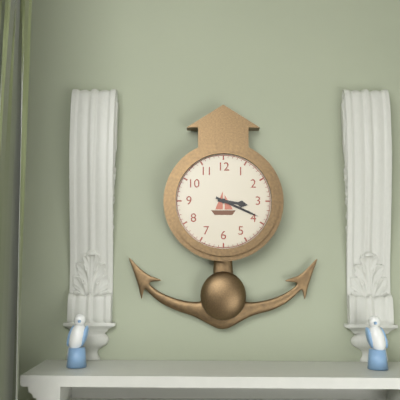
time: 3:19
